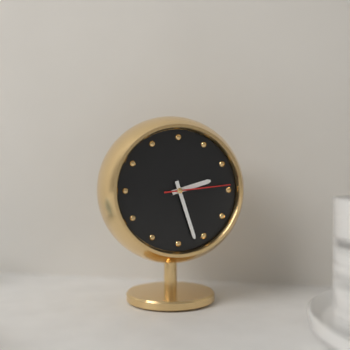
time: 2:27:14
